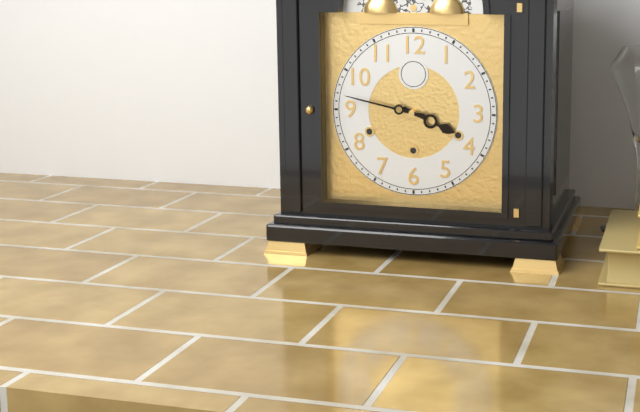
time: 3:47
